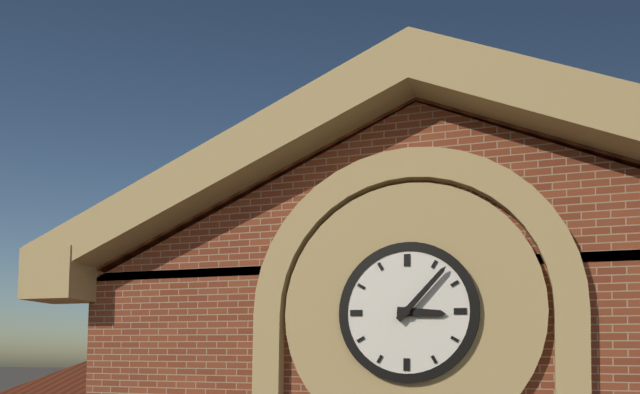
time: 3:07
